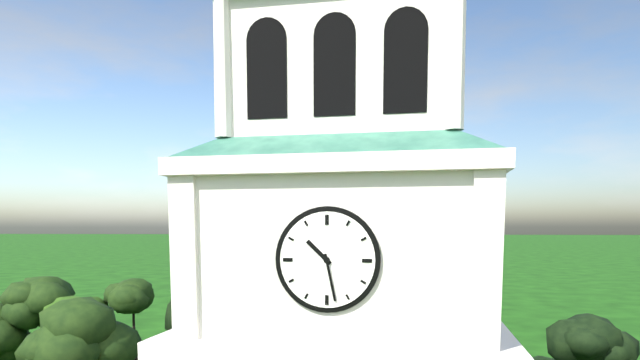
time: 10:28
